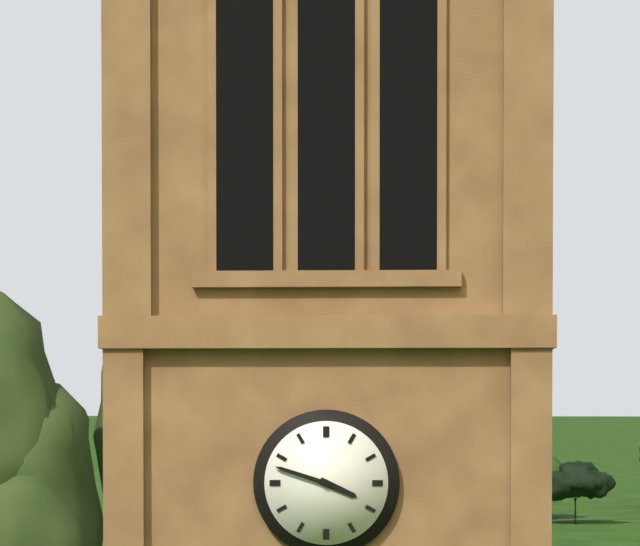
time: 3:48
